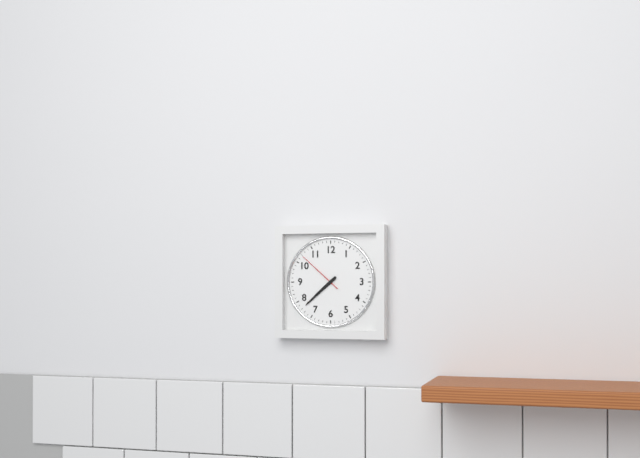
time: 7:38
